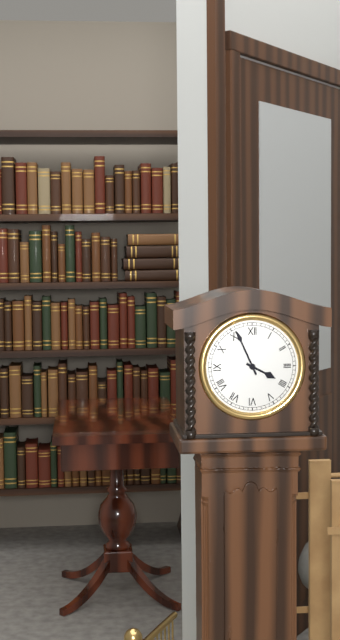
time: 3:56
